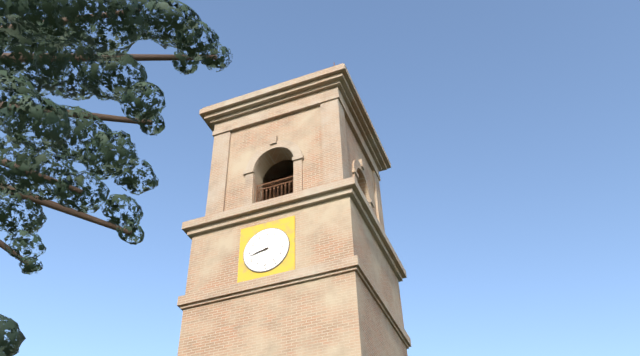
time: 8:43
